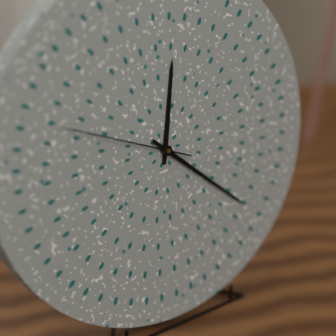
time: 12:22:49
